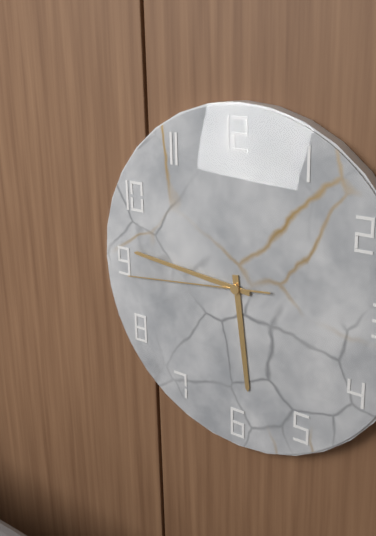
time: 5:46:44
